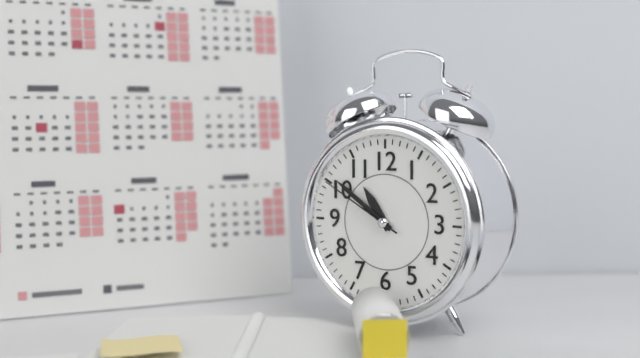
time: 10:51:50
